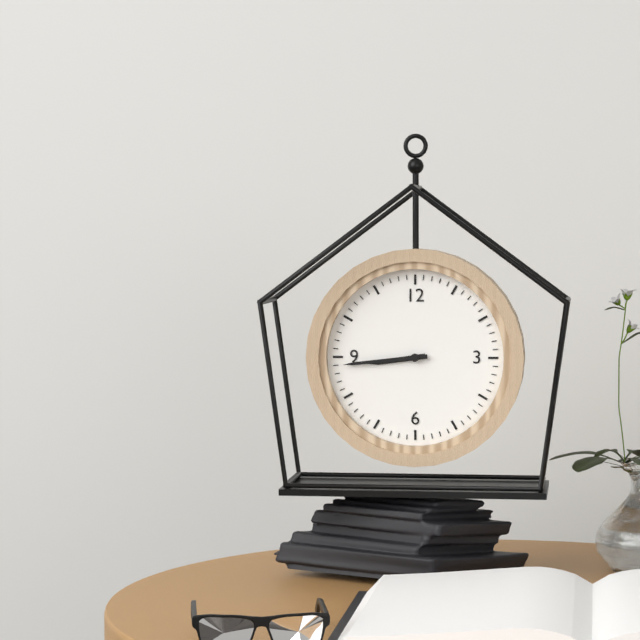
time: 8:44
